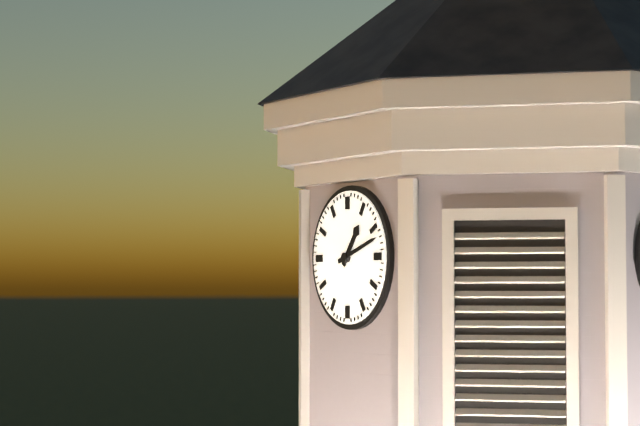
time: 1:12
